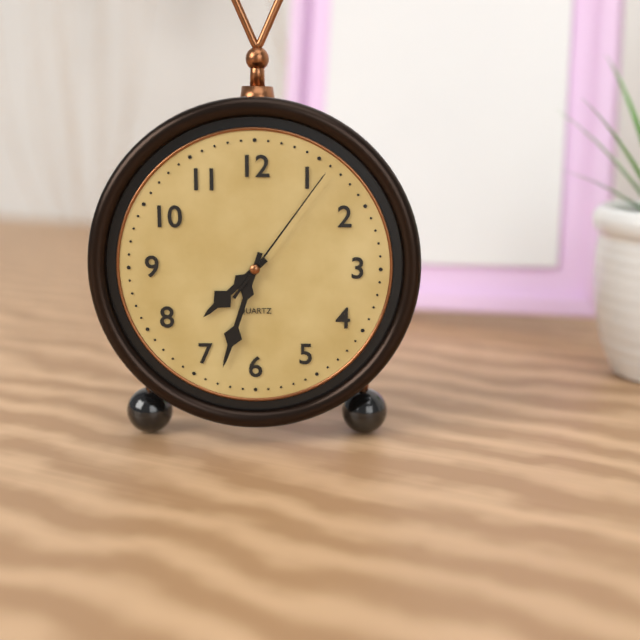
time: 7:33:06
